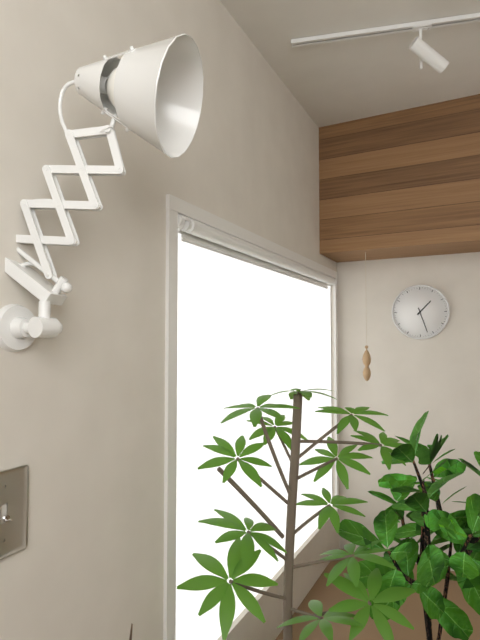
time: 1:27
